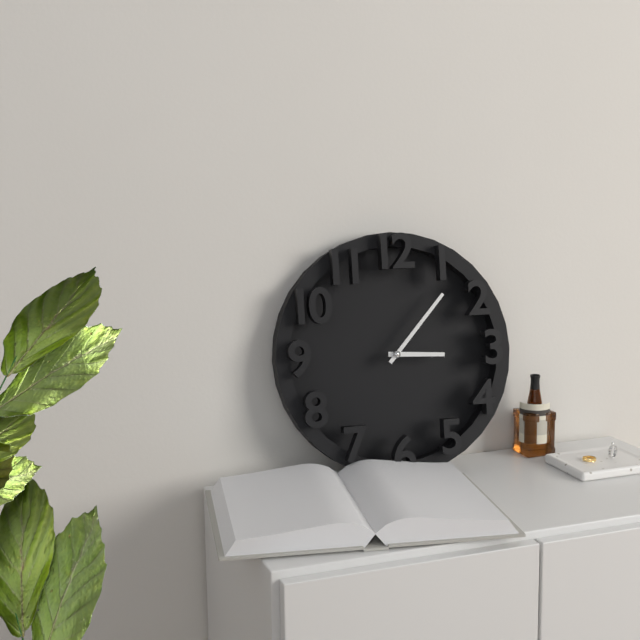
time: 3:07
